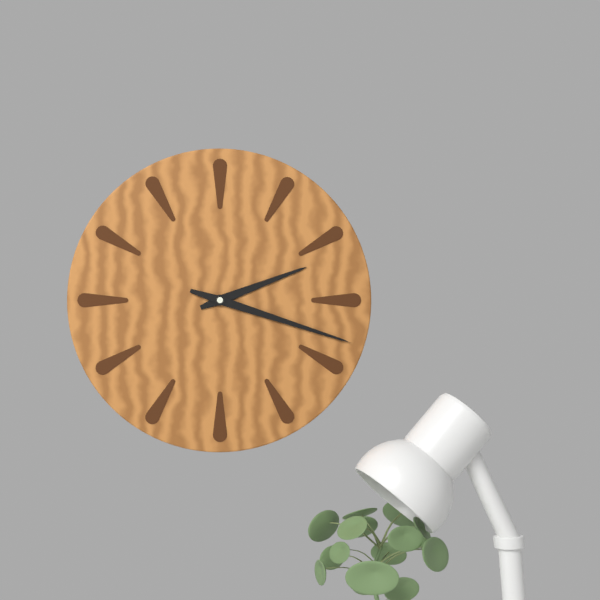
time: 2:18
